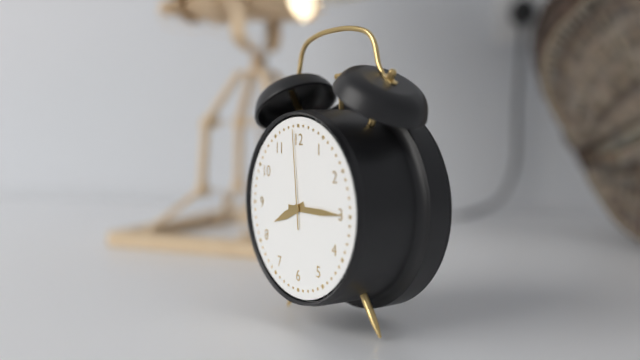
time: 8:15:59
